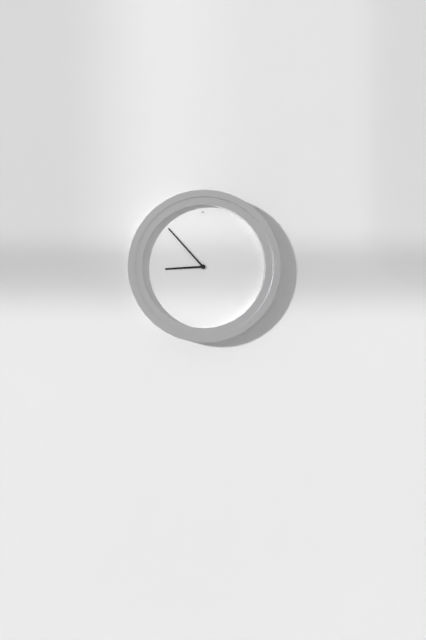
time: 8:53
